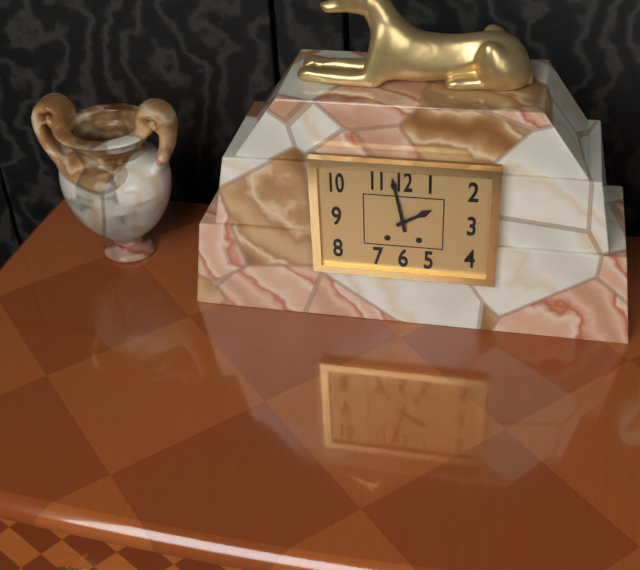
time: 1:58
